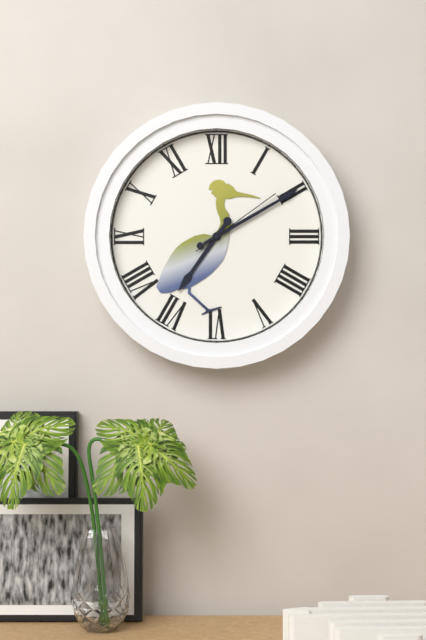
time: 7:10:09
